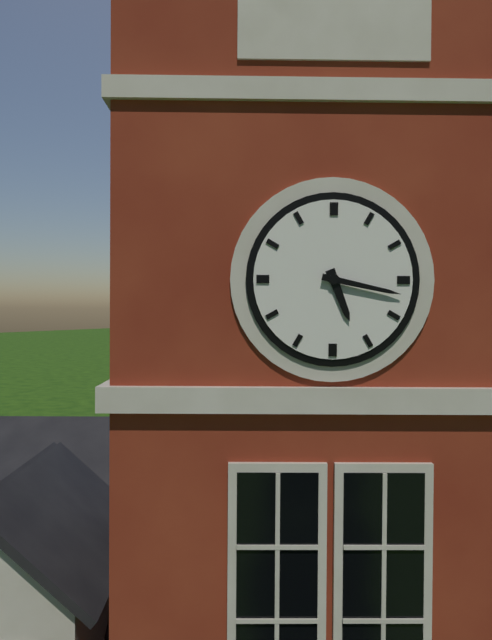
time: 5:17
